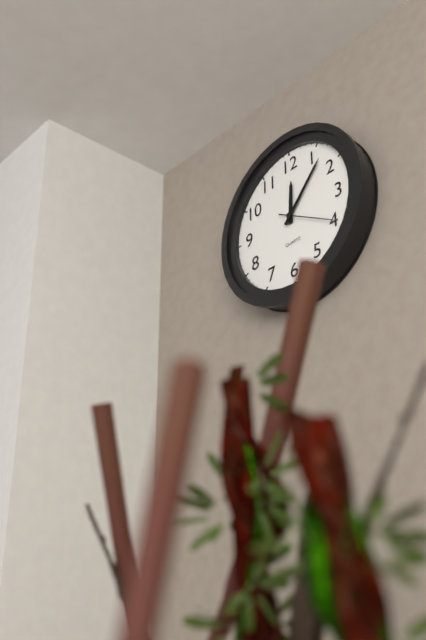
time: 12:07:20
